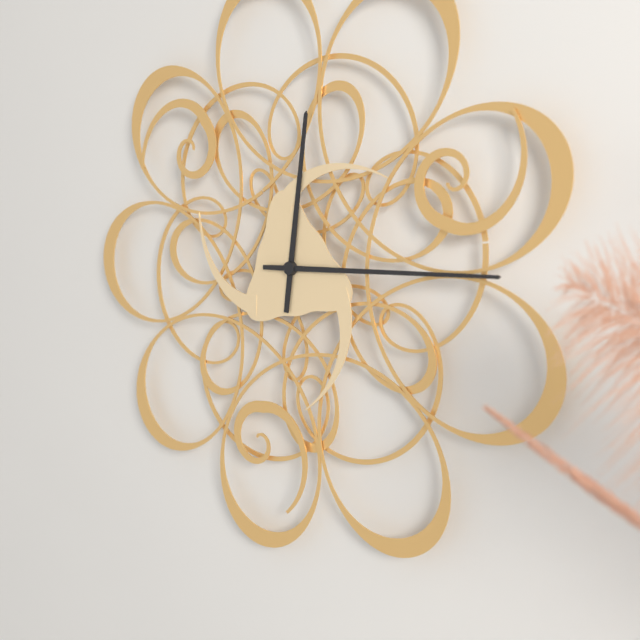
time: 12:15
